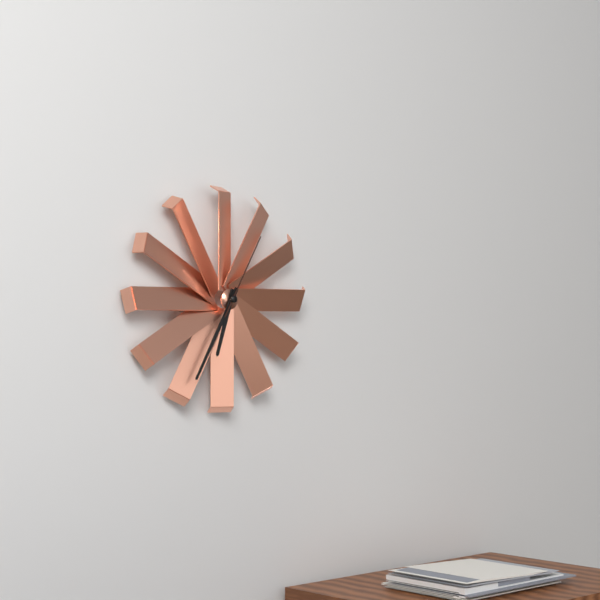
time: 6:35:05
